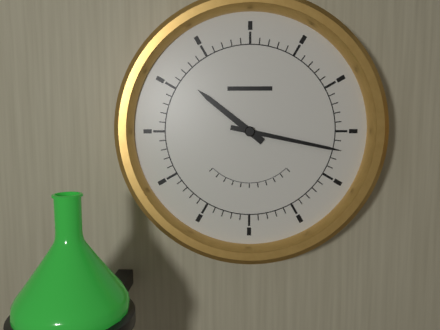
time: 10:17
